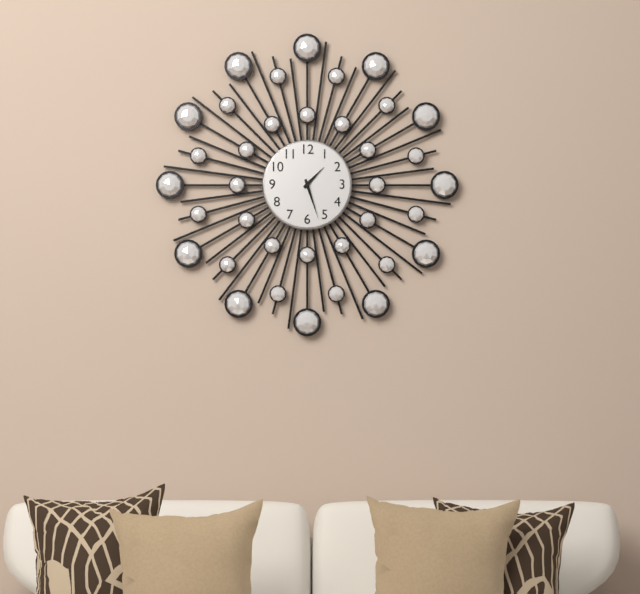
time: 1:27
